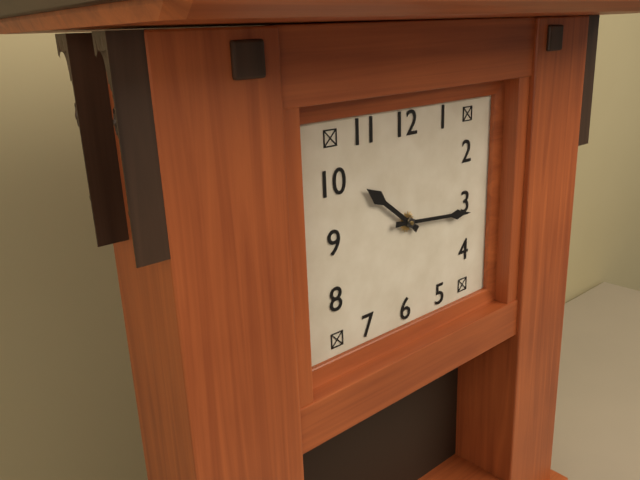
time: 10:16
